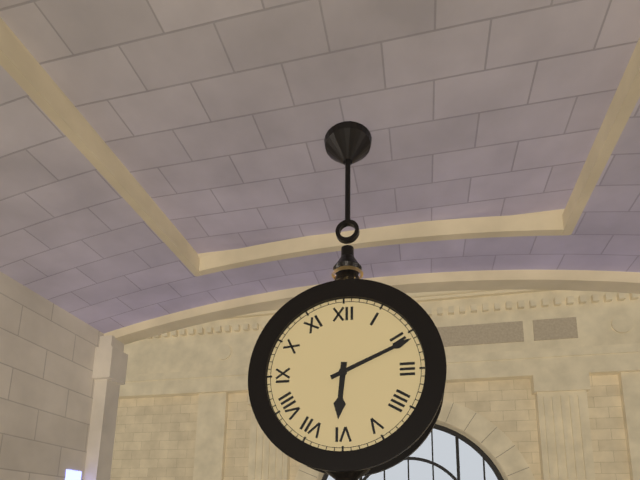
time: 6:11
